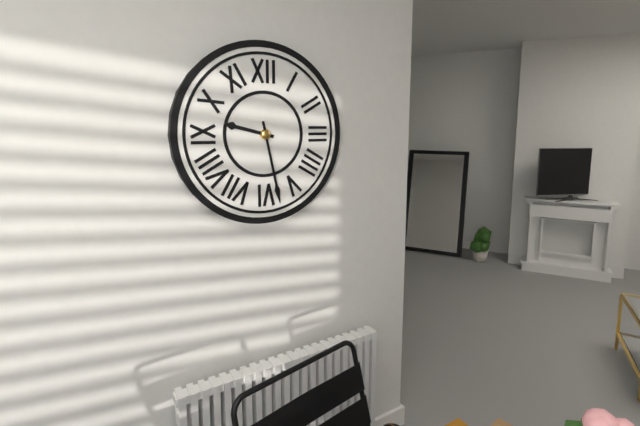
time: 9:28
